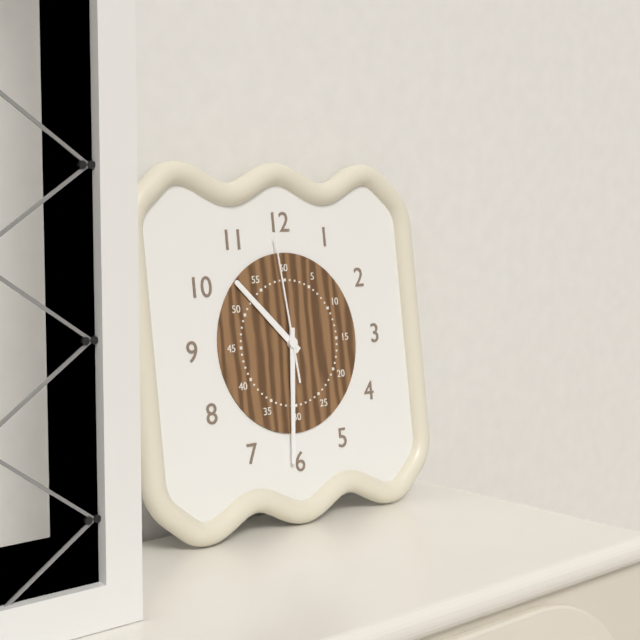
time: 10:31:59
